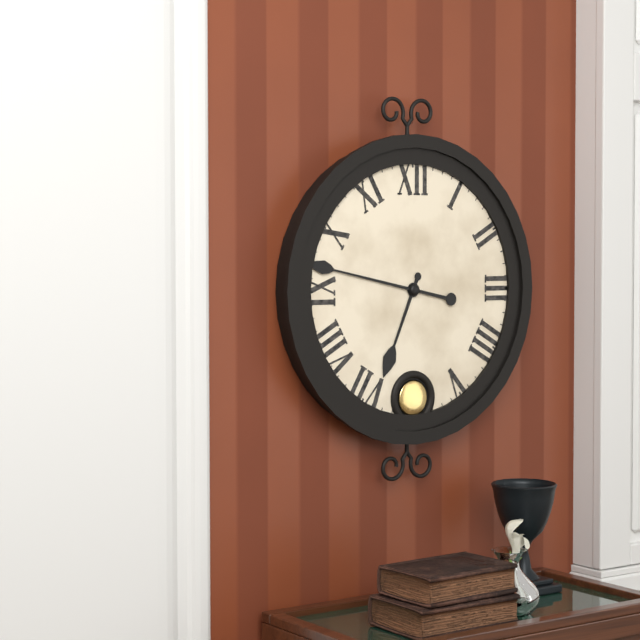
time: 6:47
